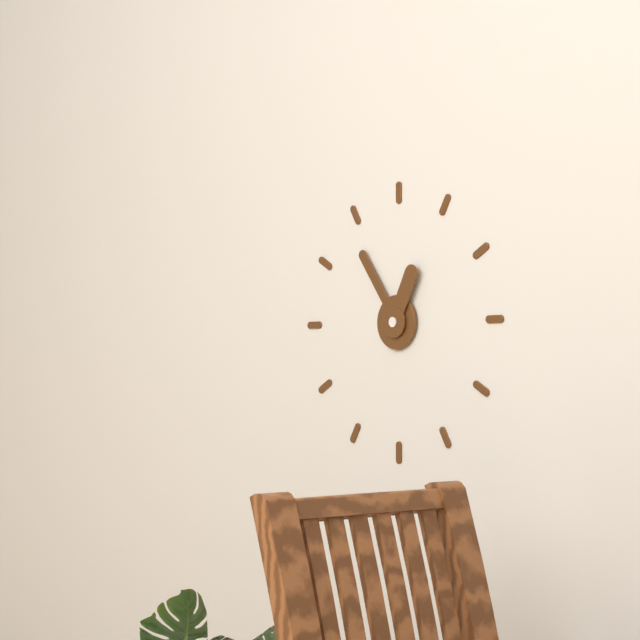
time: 12:54
